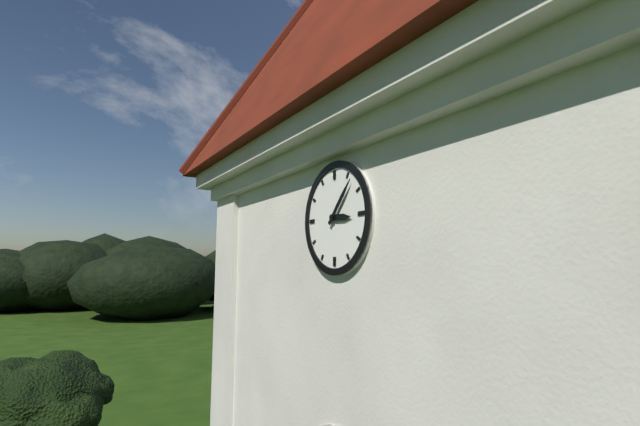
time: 3:07
